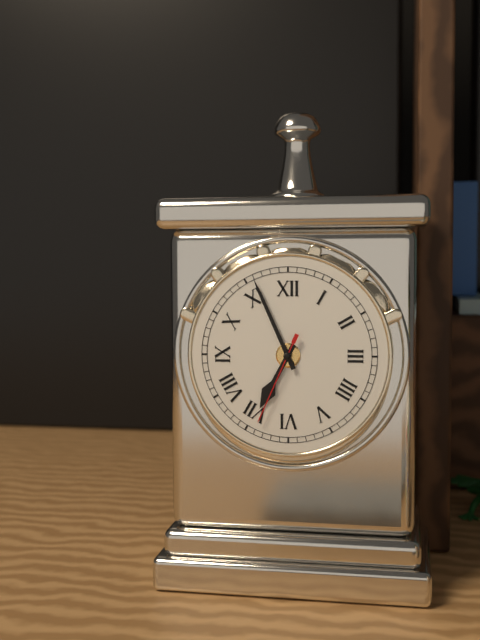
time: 6:56:34
